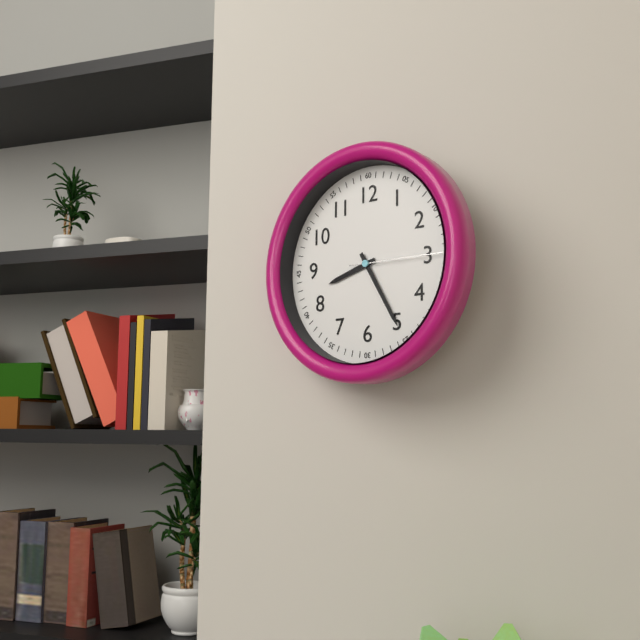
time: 8:25:15
